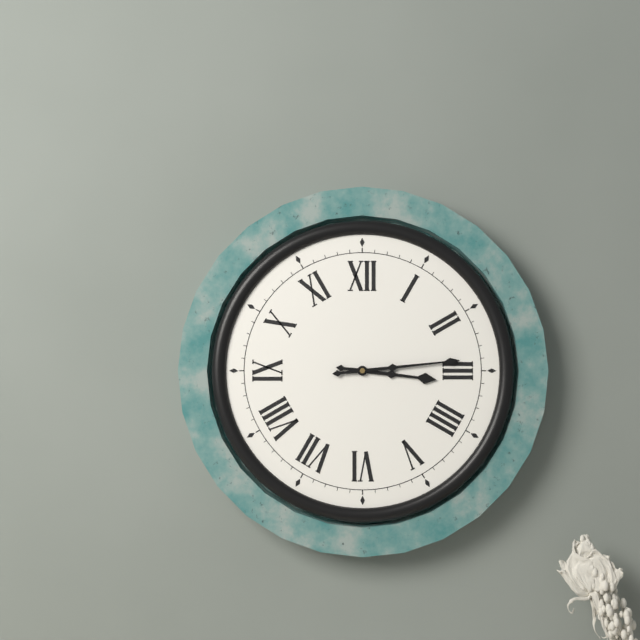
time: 3:14
